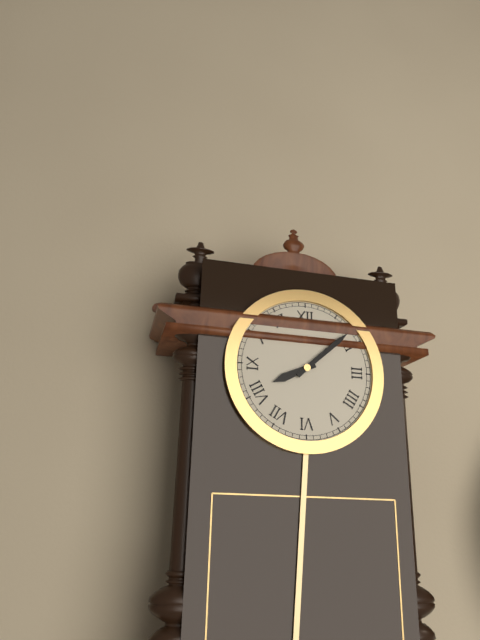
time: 8:08
